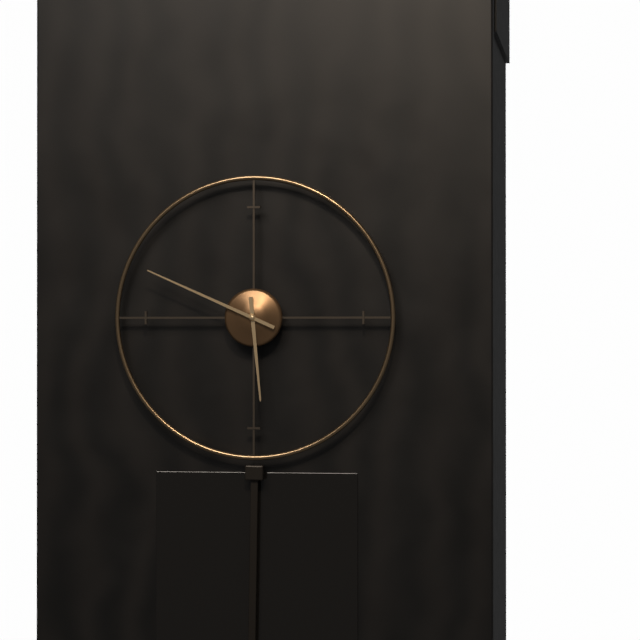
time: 5:49
